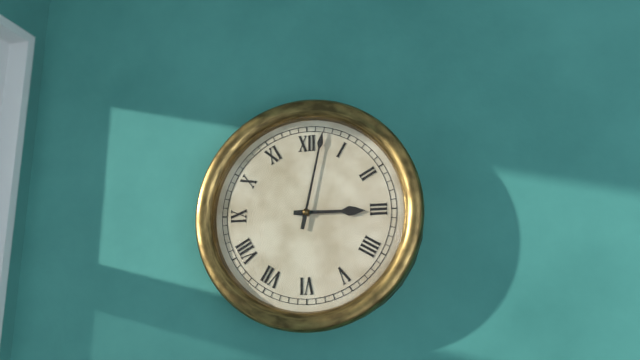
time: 3:02
